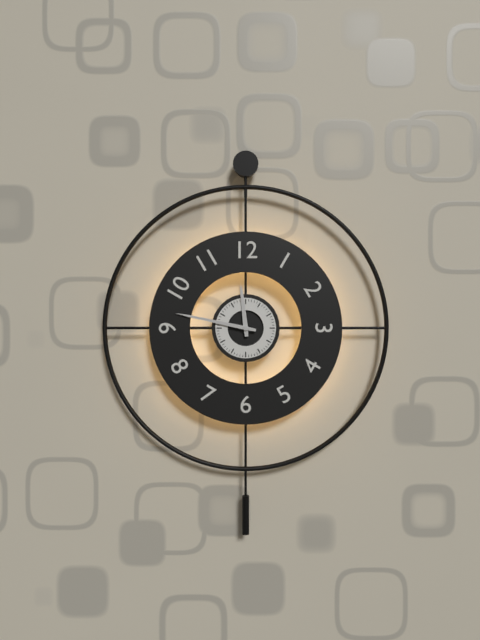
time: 11:47
